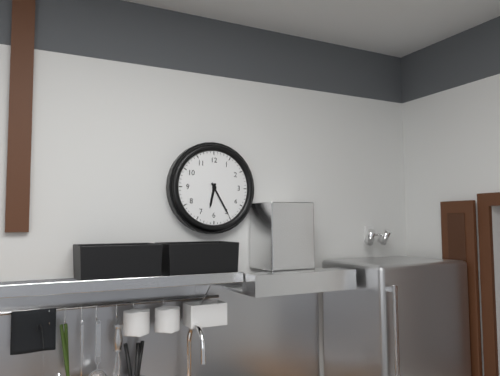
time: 6:25
